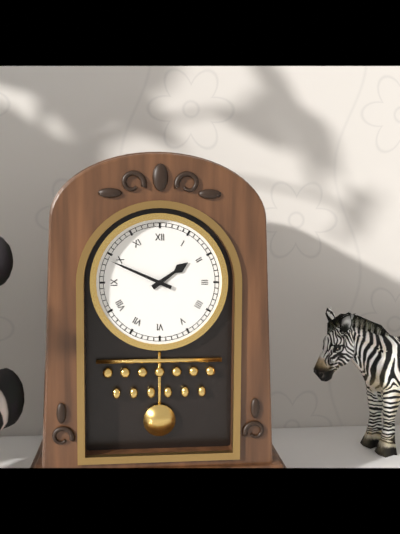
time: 1:49
